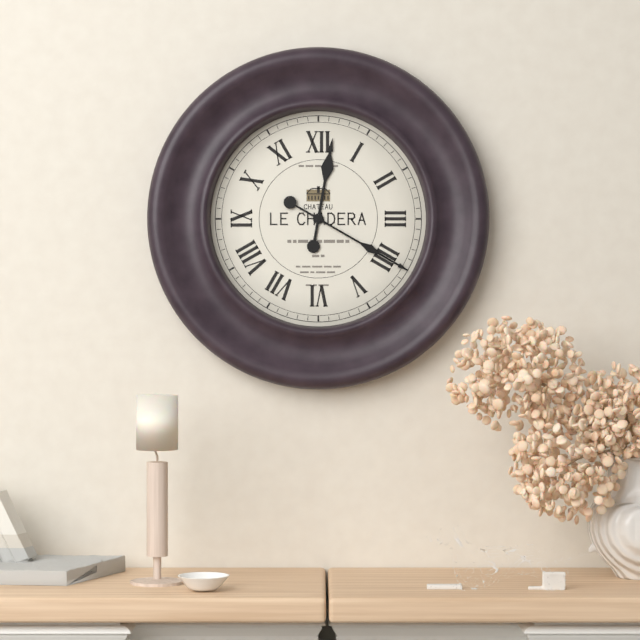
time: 12:20
